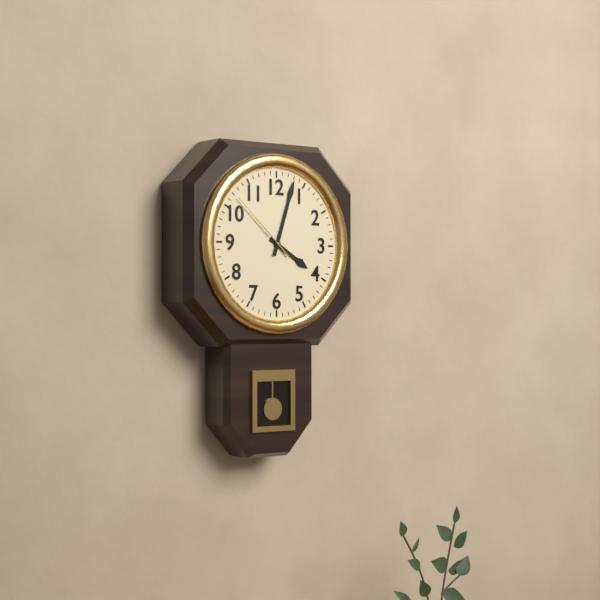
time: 4:03:52
